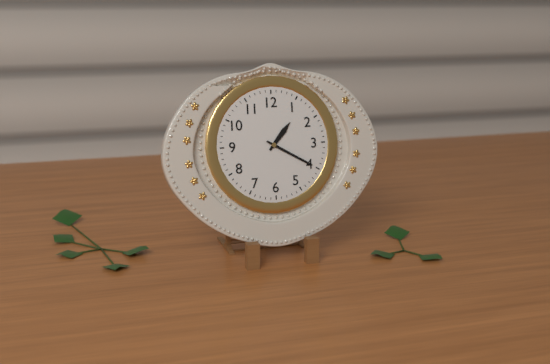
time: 1:20
